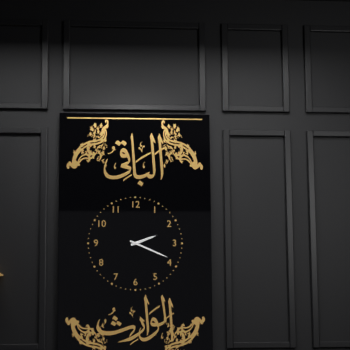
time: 2:19
